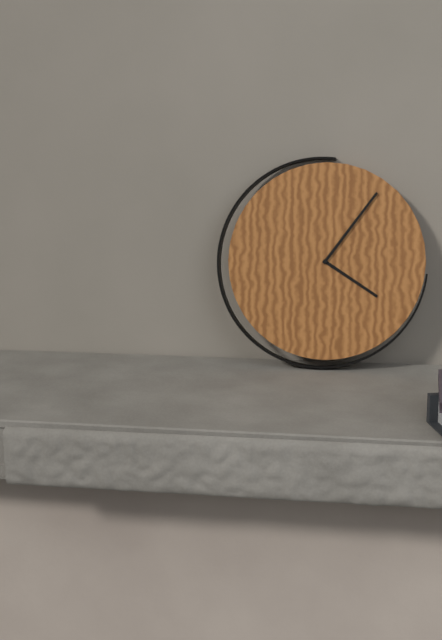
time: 4:06
